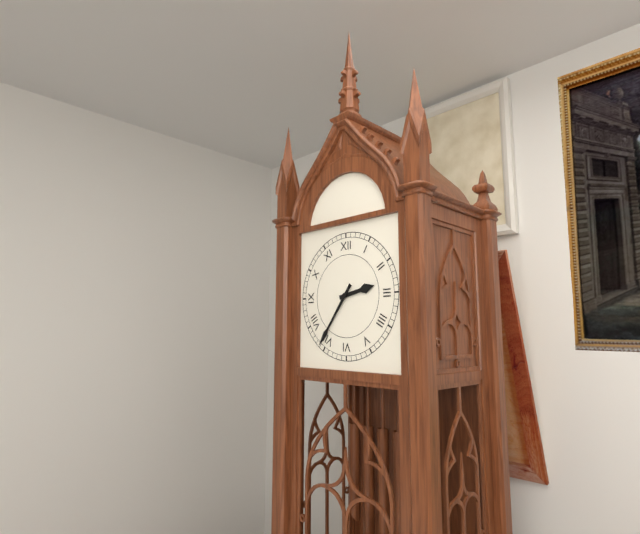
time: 2:36
